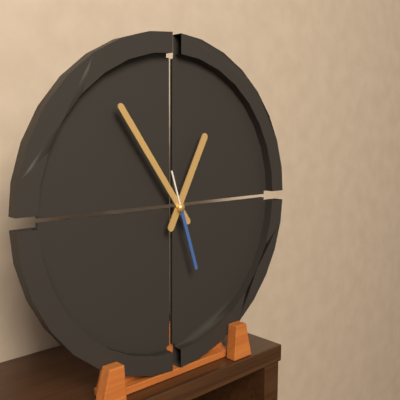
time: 12:54:27
